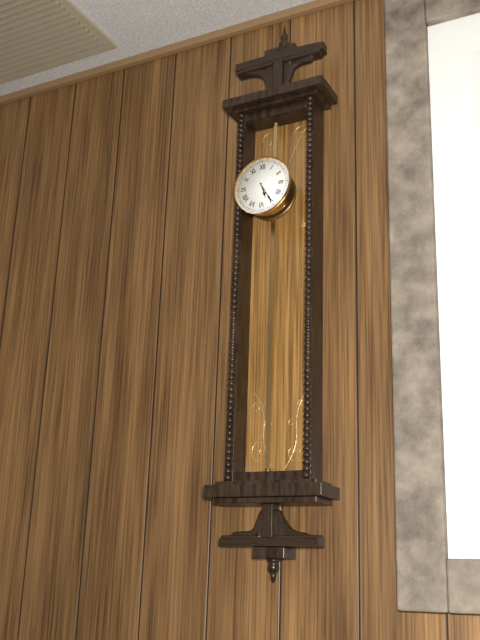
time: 5:25
